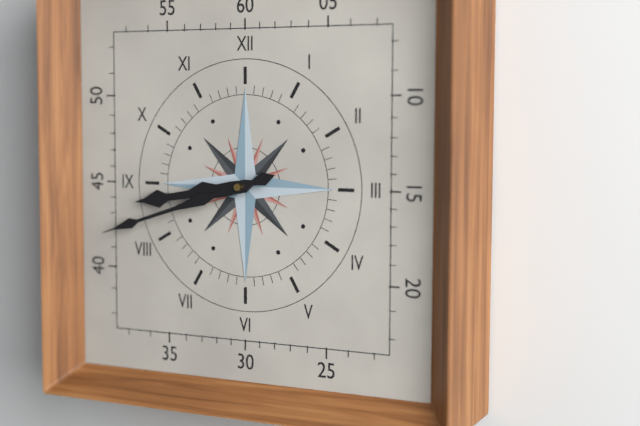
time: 8:42
